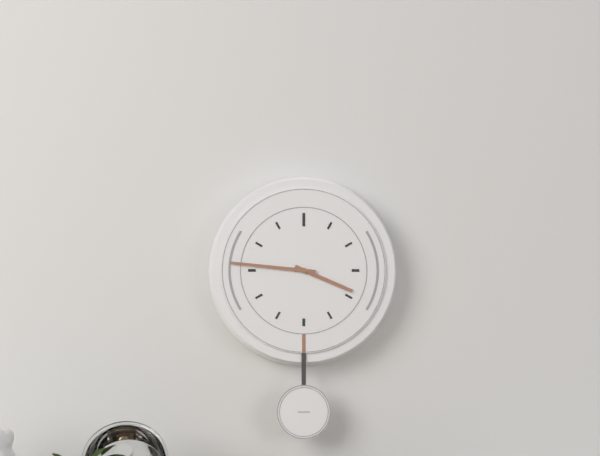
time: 3:46
